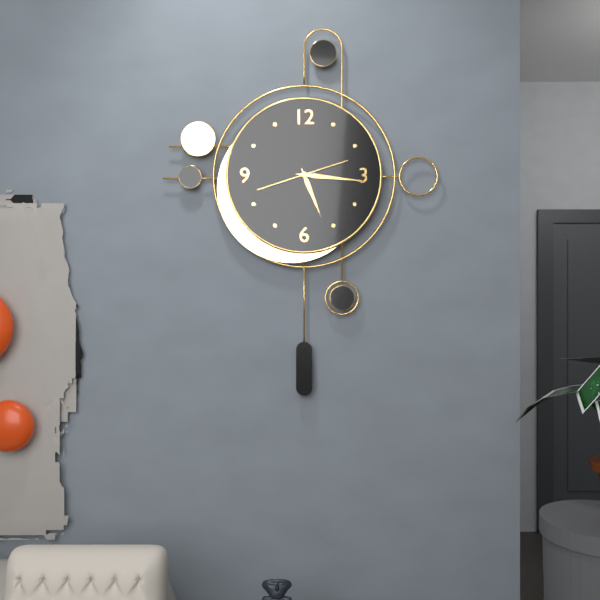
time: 5:16:42
